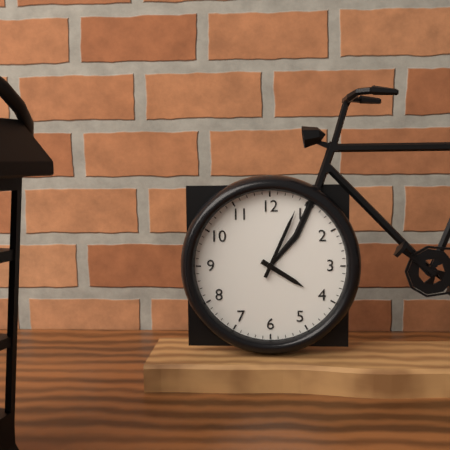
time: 4:04
